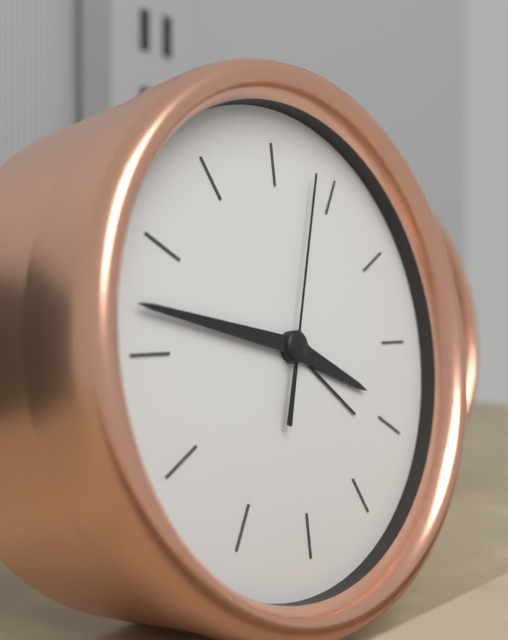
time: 3:47:03
